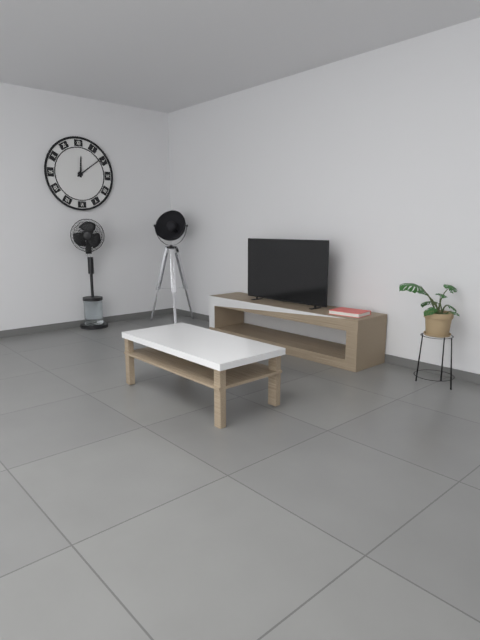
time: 12:09
